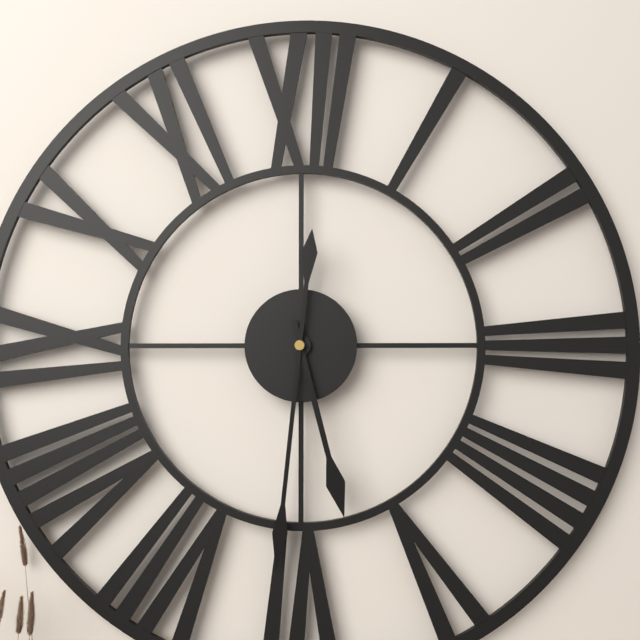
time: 5:31
